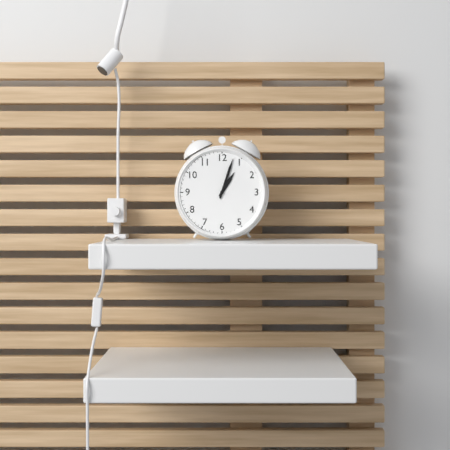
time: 1:03
